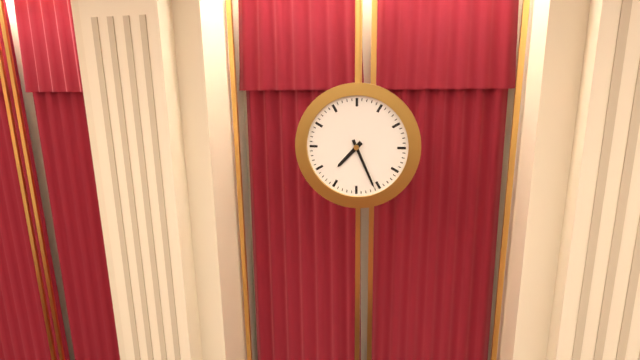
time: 7:26
